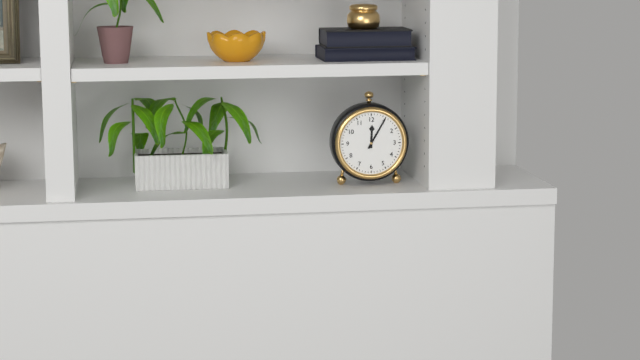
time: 12:05
